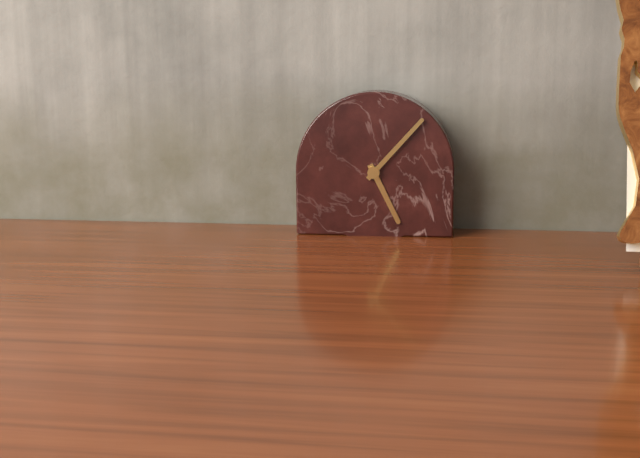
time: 5:07
